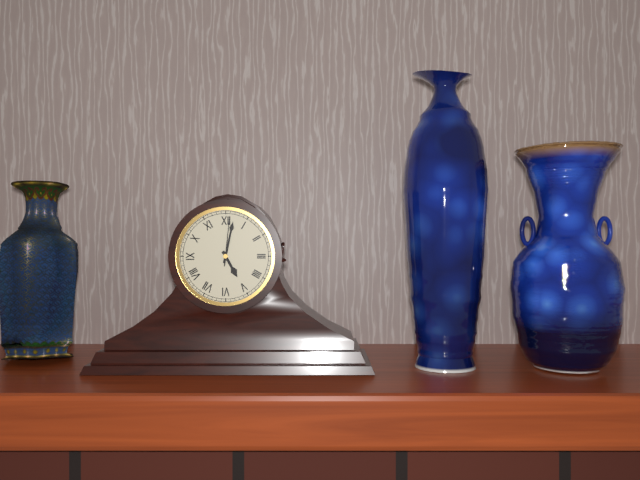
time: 5:02:01
